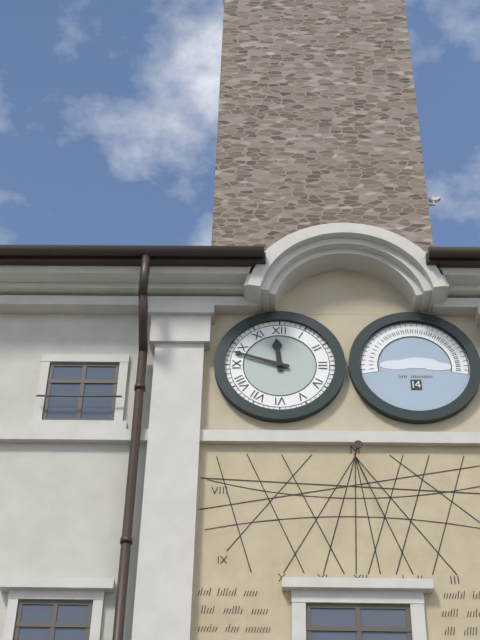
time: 11:48
